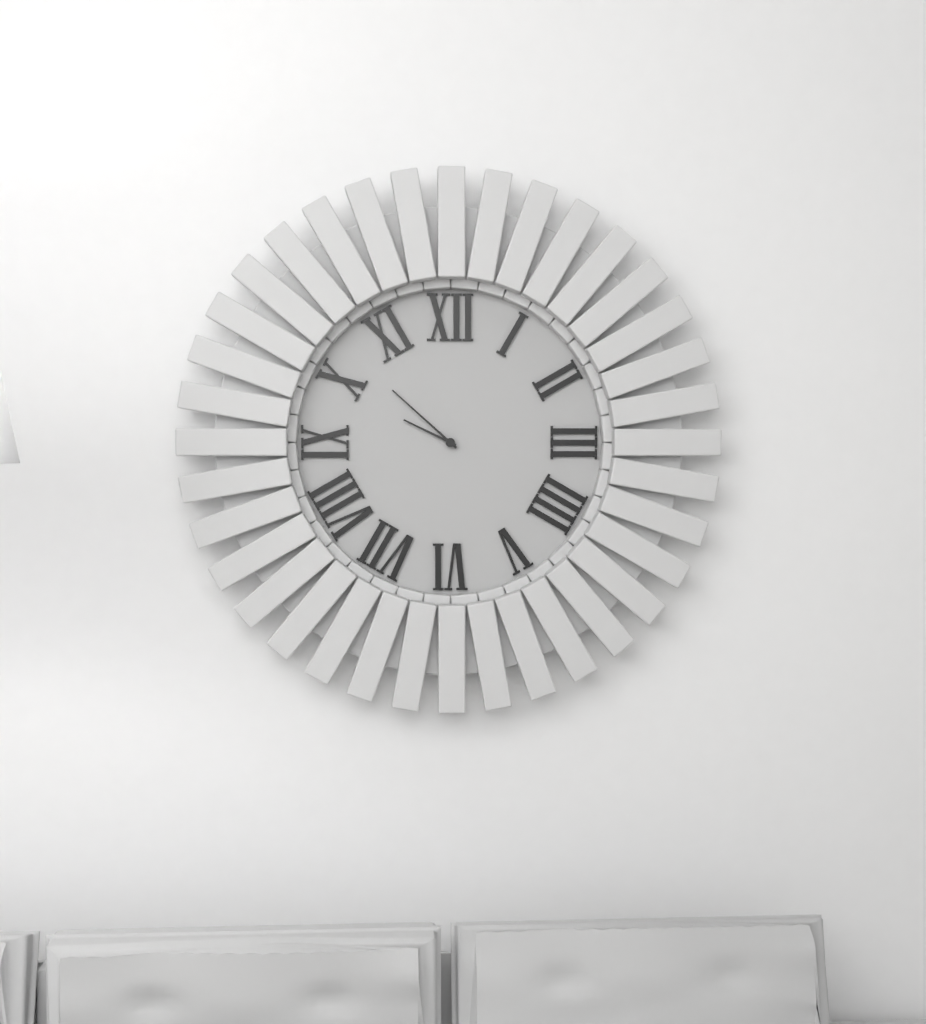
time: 9:52
